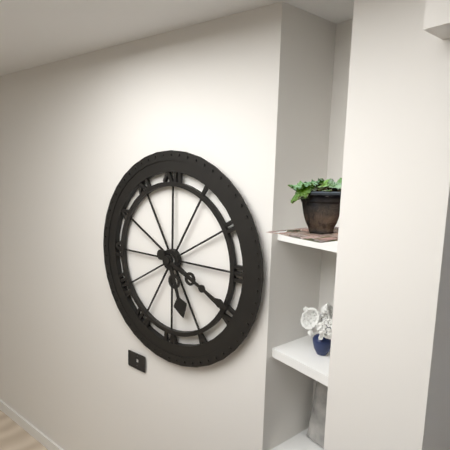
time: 5:19
